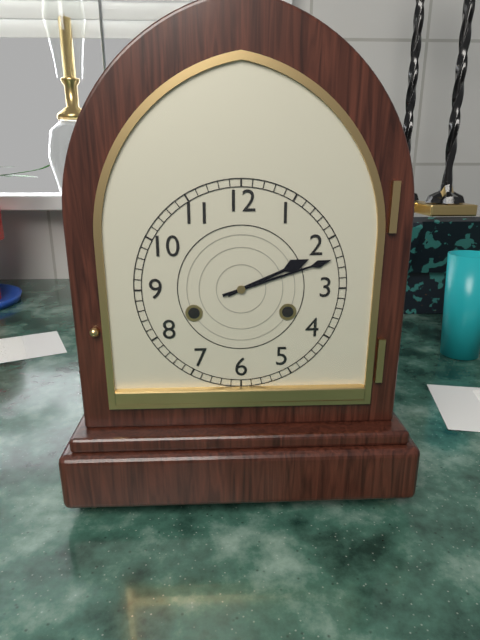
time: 2:12
